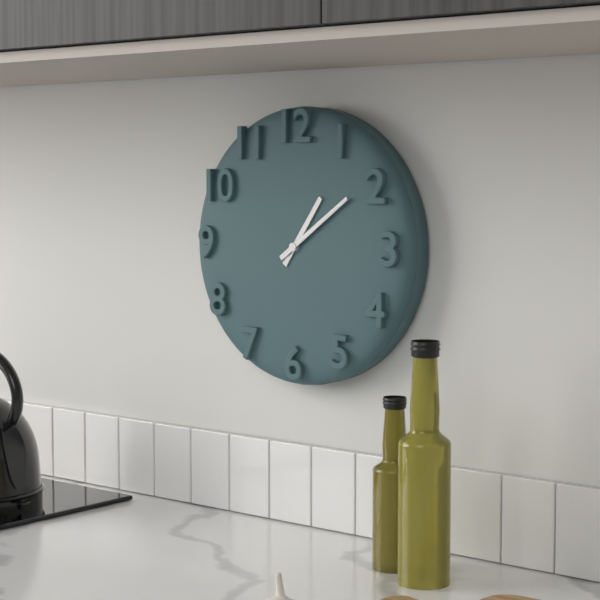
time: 1:09
